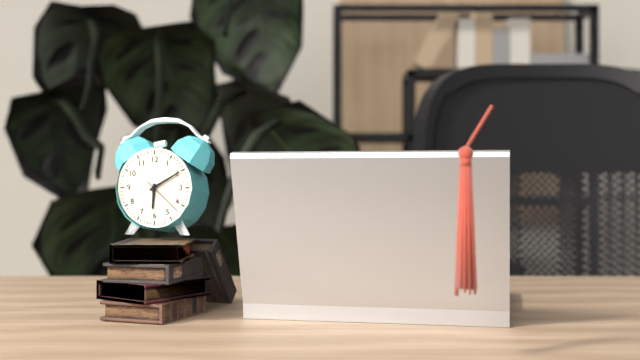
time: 6:10
